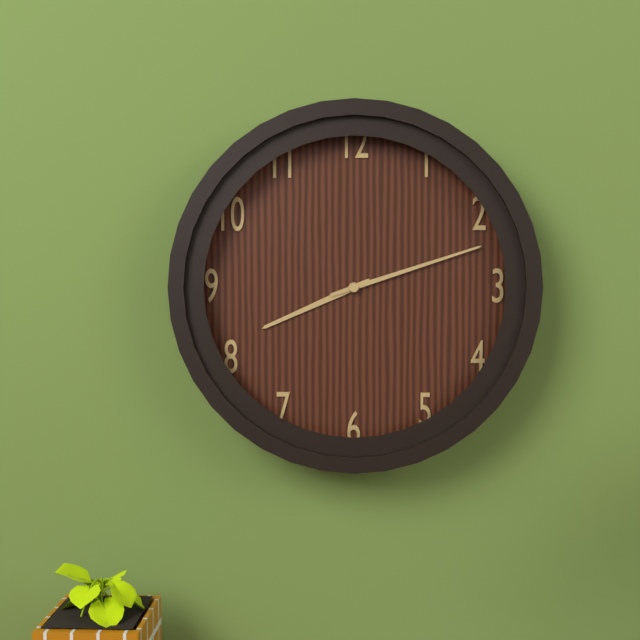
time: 8:12
